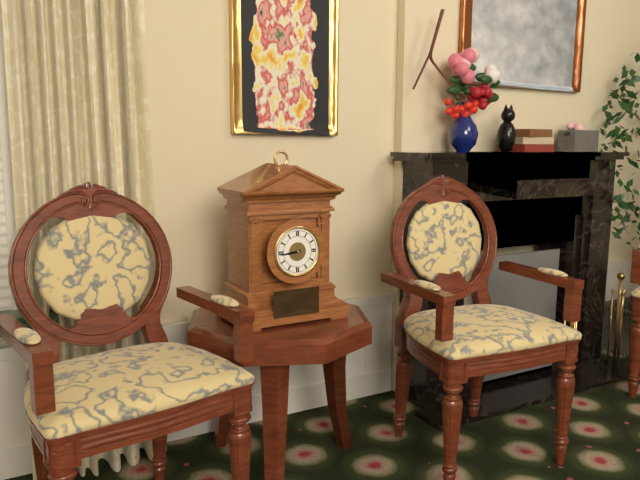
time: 8:44
